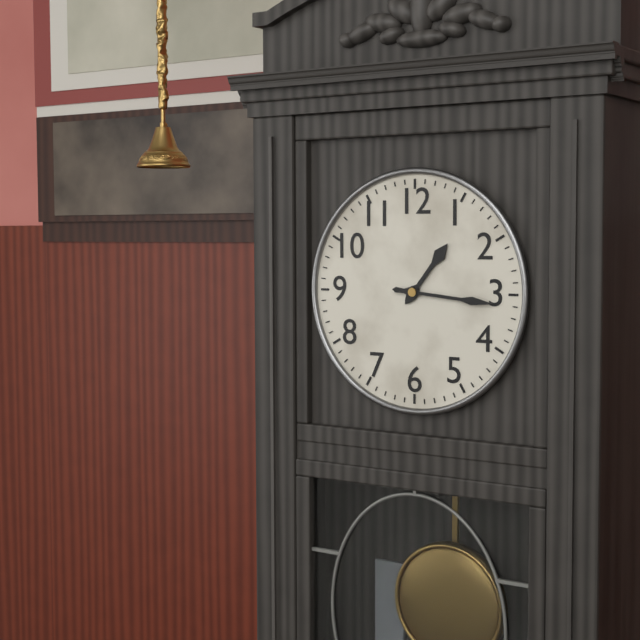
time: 1:16
